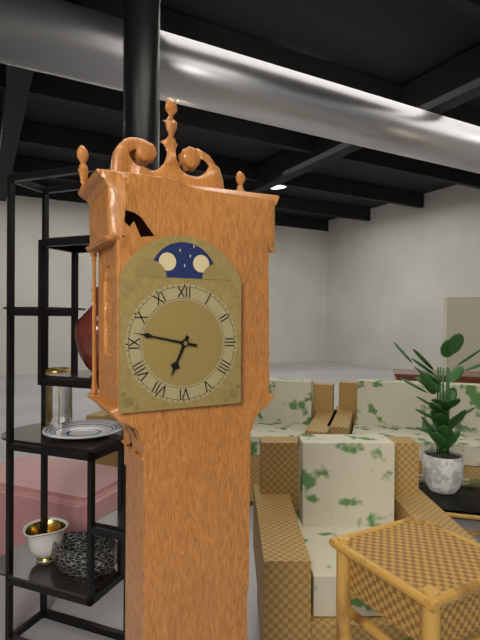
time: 6:47
